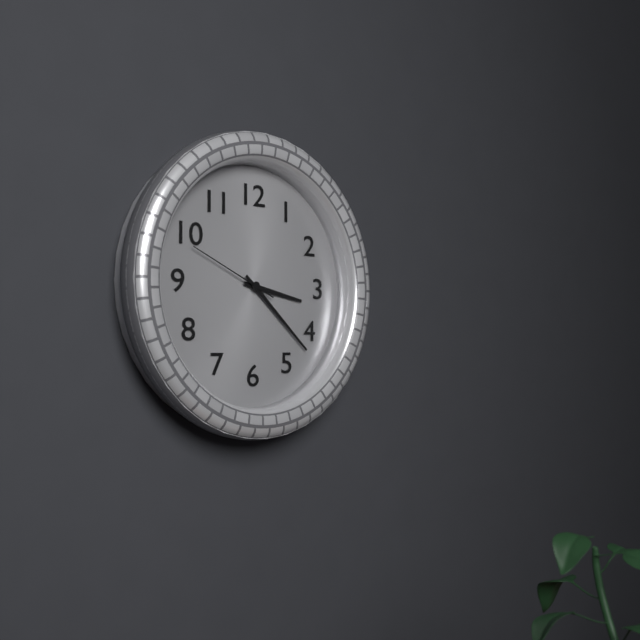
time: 3:22:49
